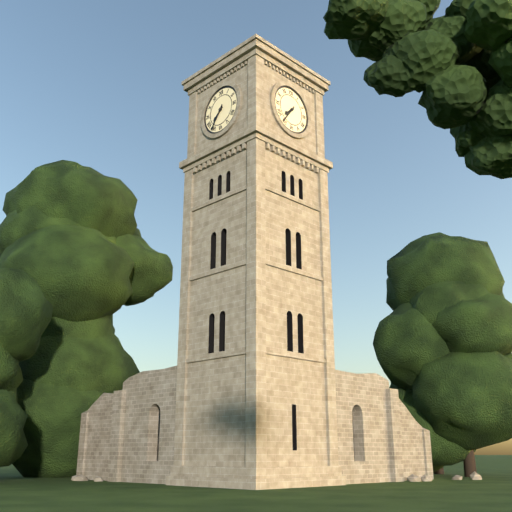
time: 7:36
